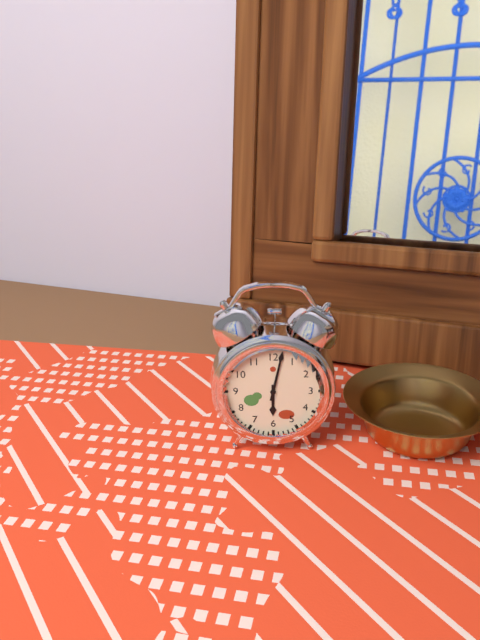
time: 6:02
